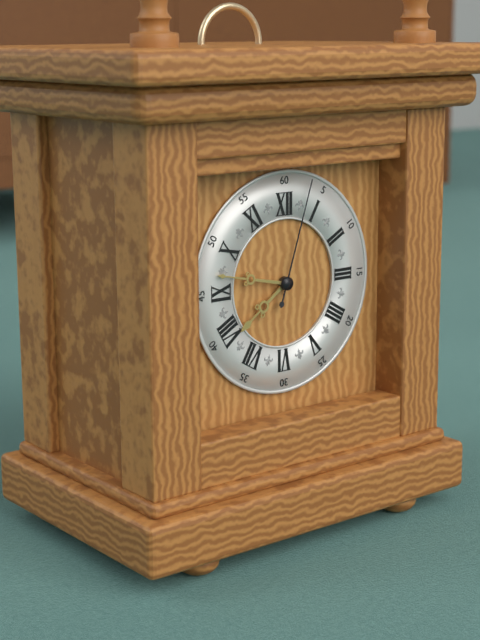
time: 7:47:03
